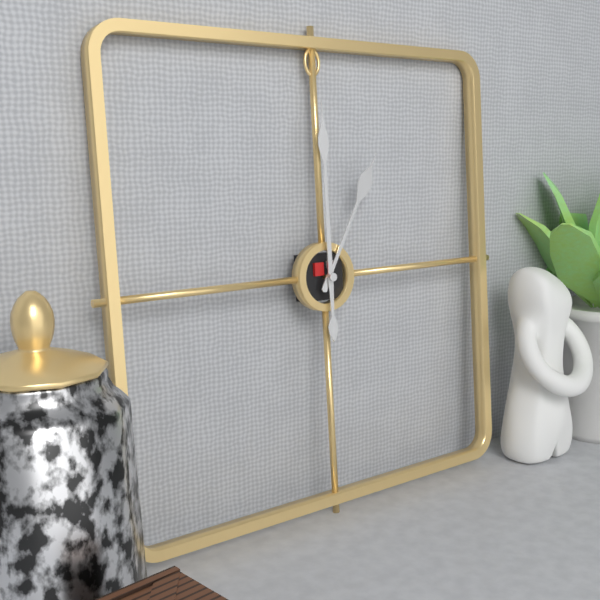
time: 1:00
